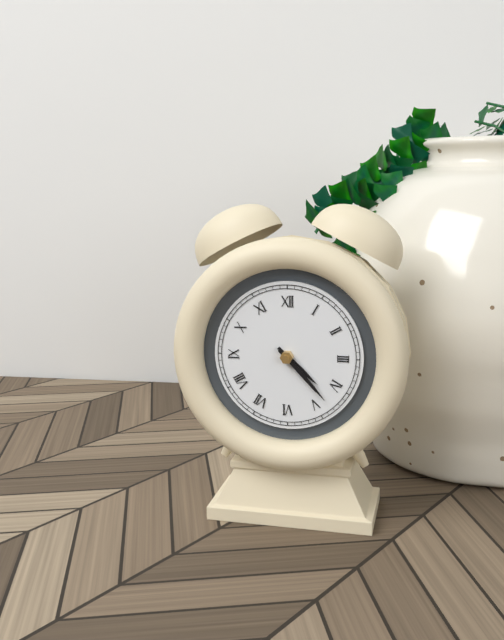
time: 4:23
